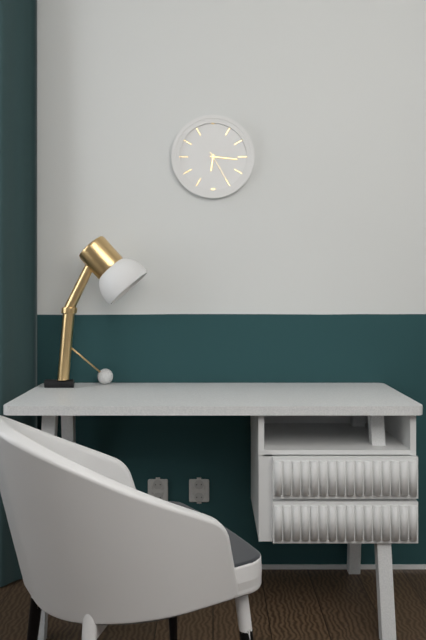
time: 6:16
